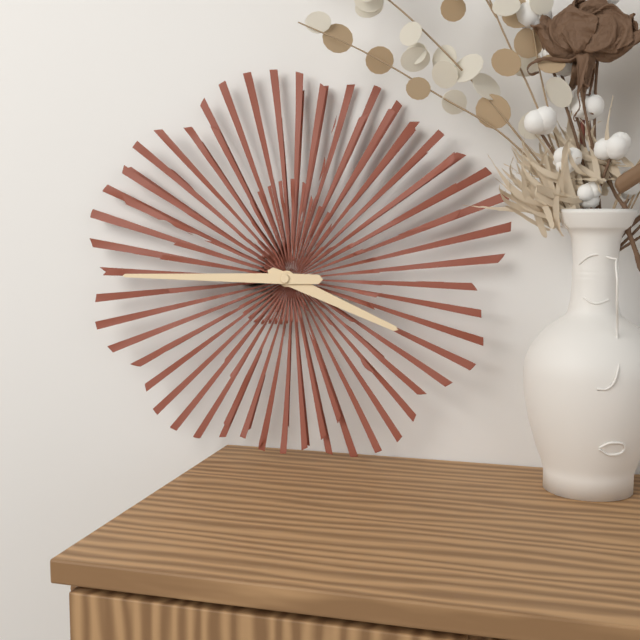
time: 3:45
